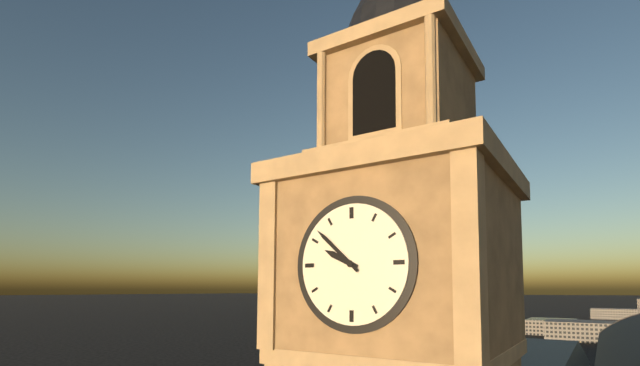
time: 9:52
